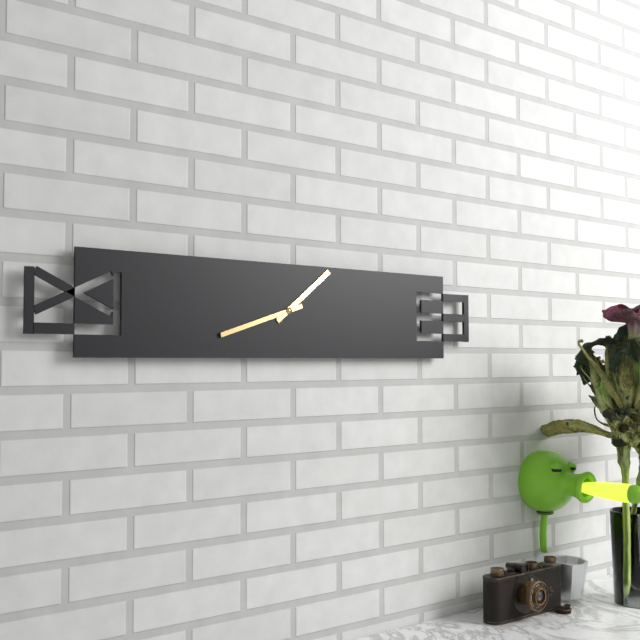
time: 1:42
